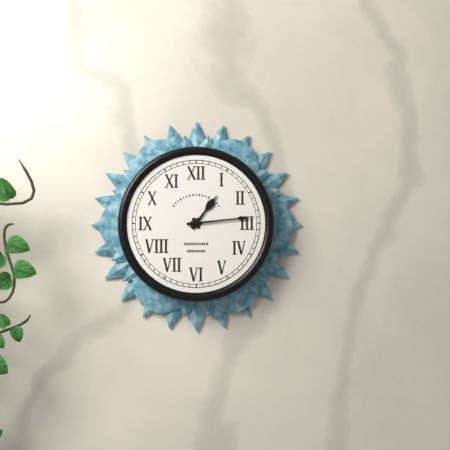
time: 1:14
